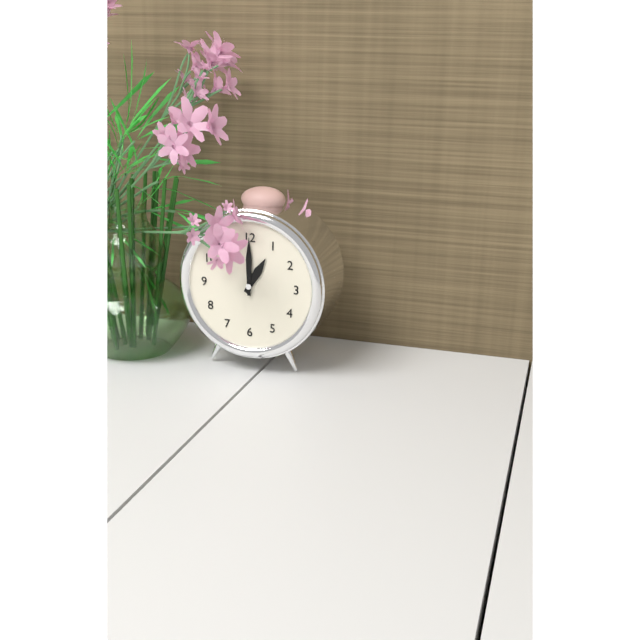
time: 1:00
